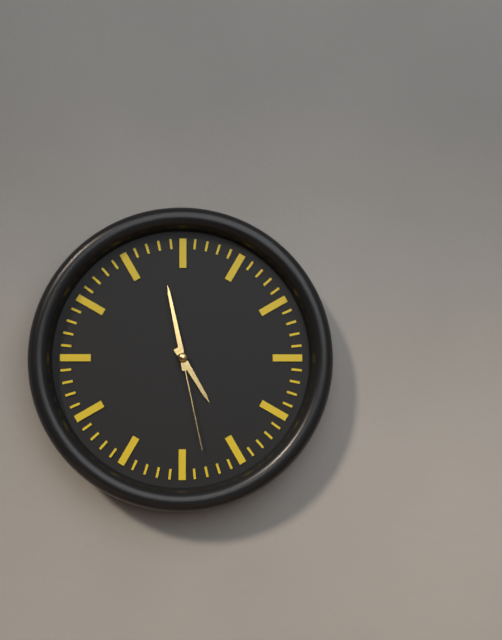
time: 4:58:28
